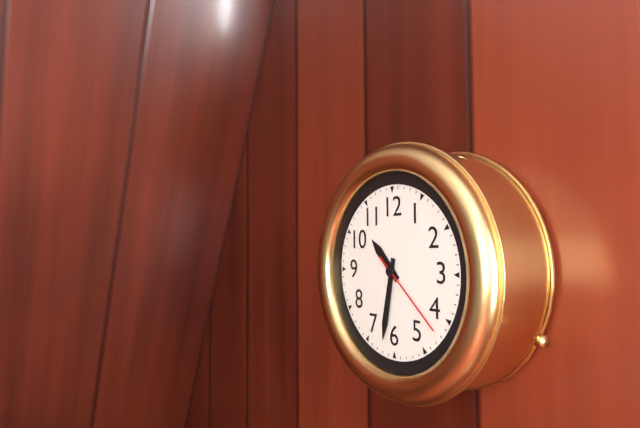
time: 10:32:22
